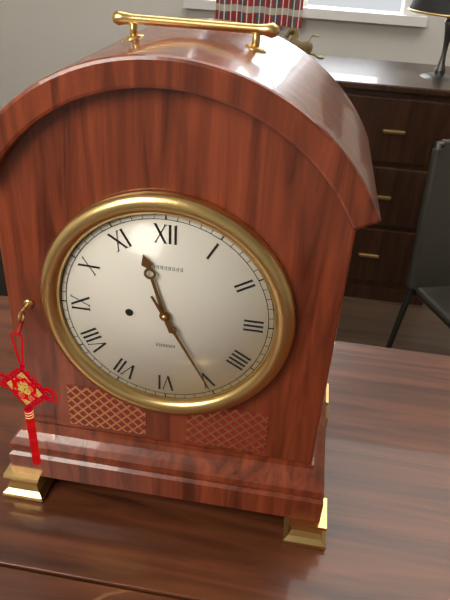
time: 11:25
